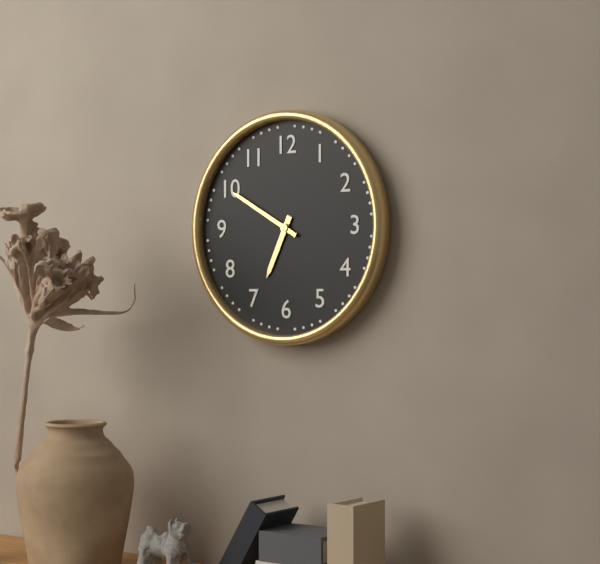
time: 6:50
